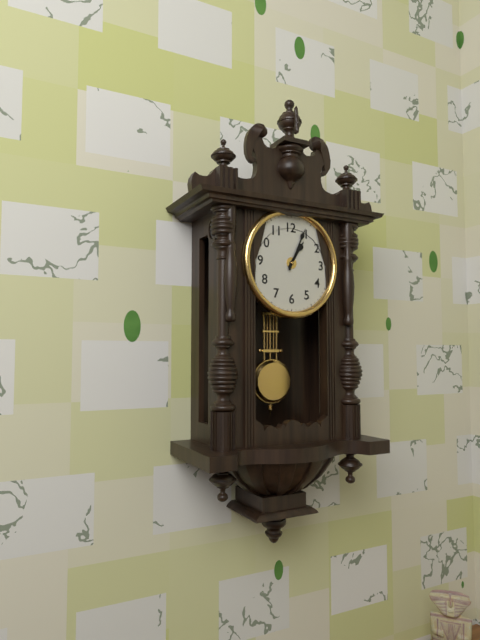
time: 1:04
